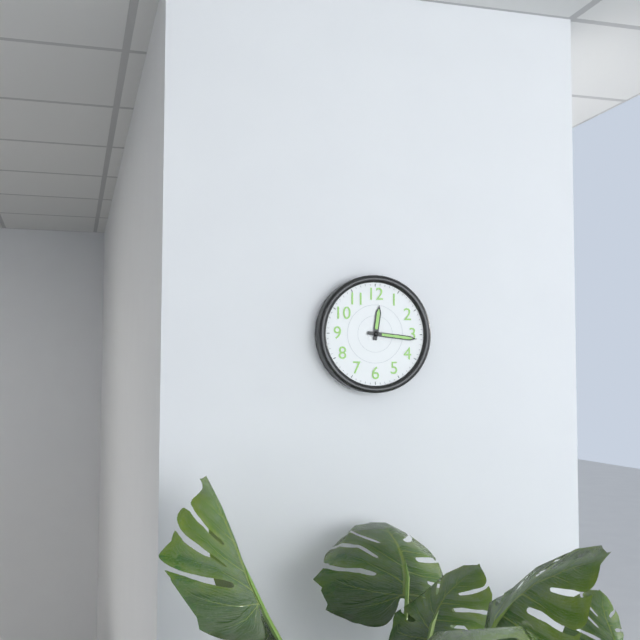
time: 12:16
